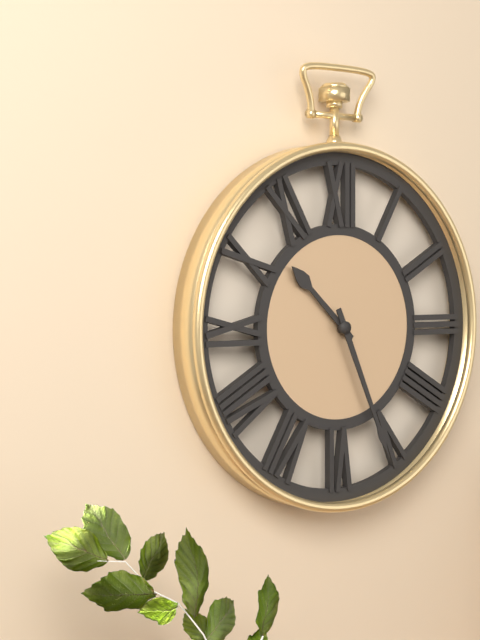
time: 10:26
